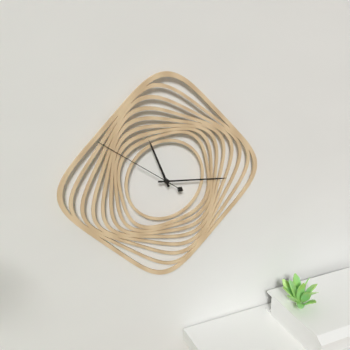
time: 11:16:51
